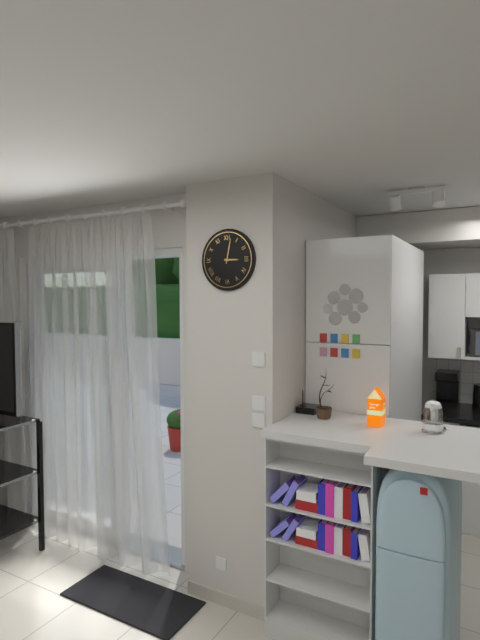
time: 3:02
